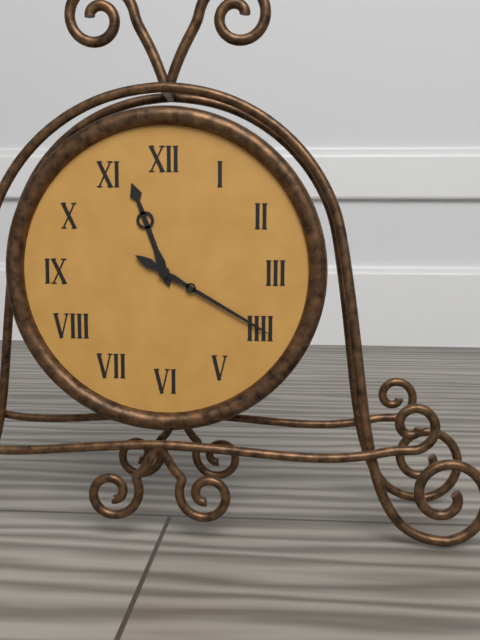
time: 11:20
